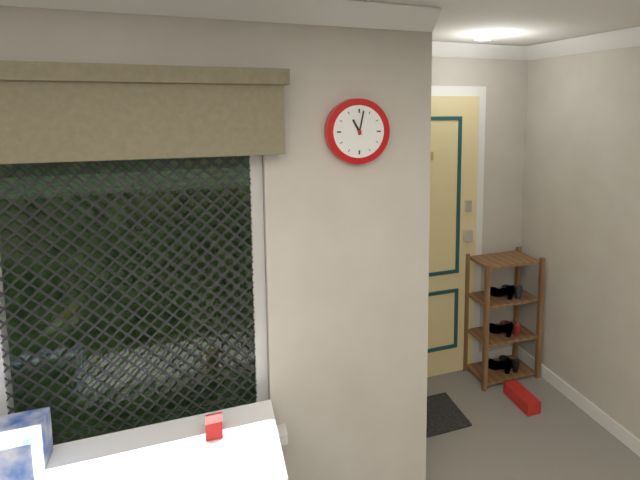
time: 11:02
